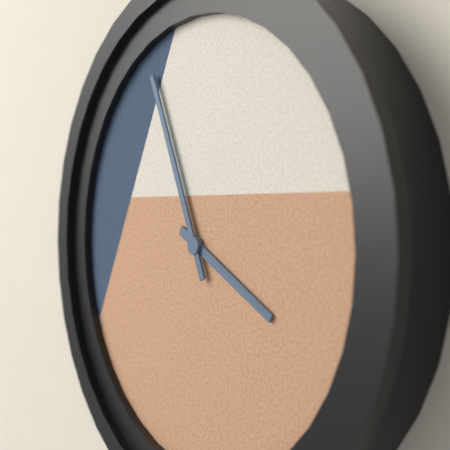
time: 3:56
